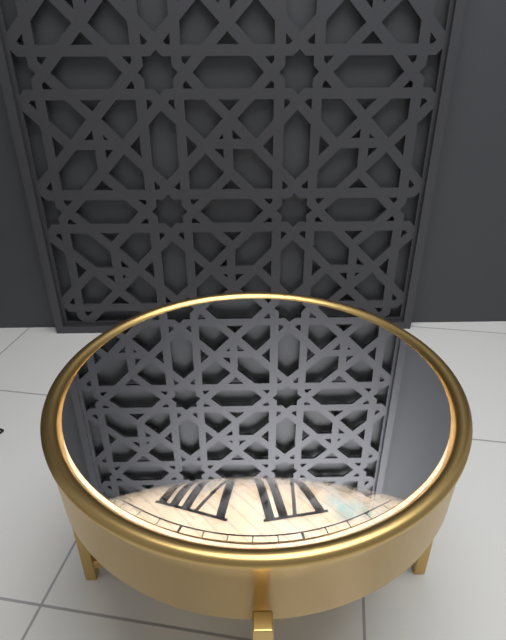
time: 3:27
